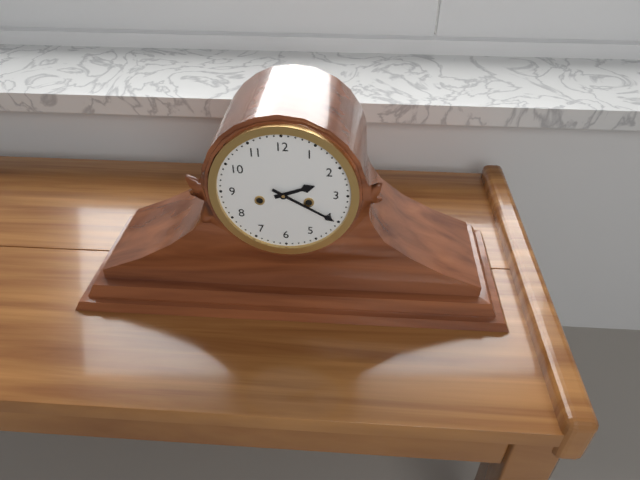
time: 2:20
